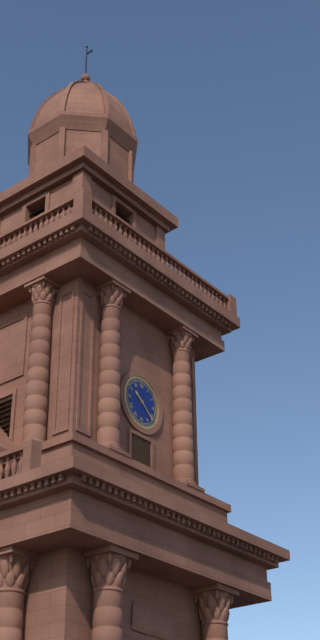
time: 10:22
